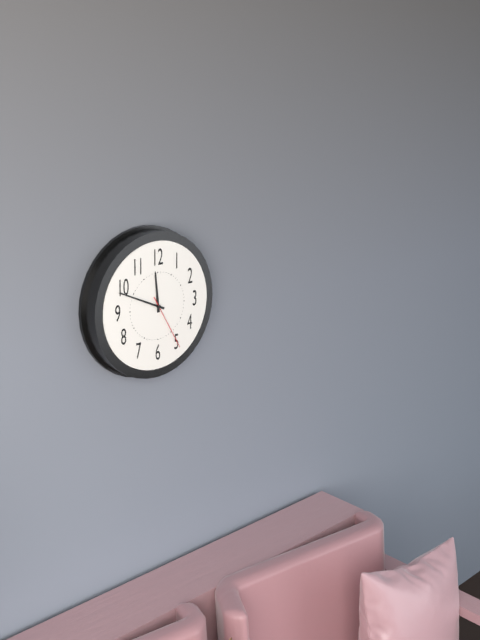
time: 11:49:25
